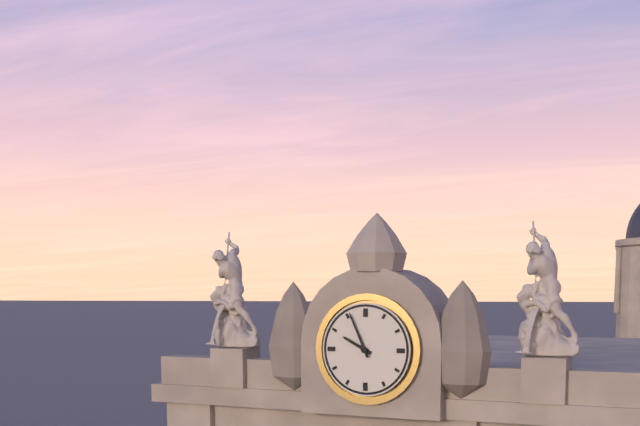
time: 9:56
